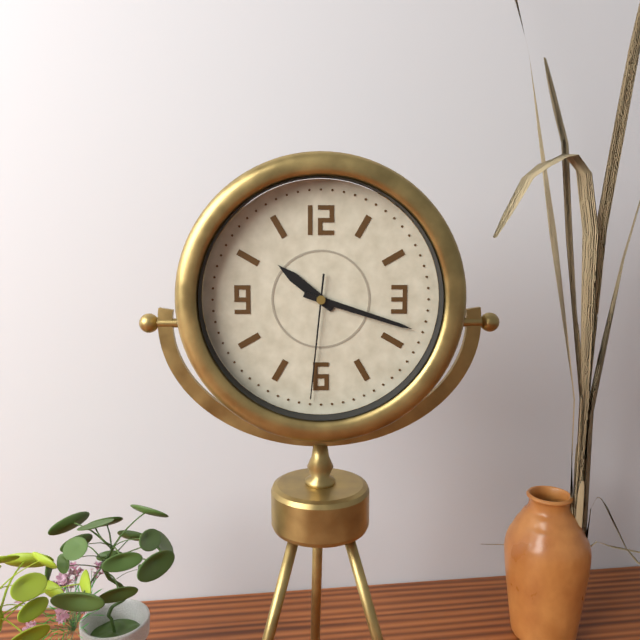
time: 10:18:31
